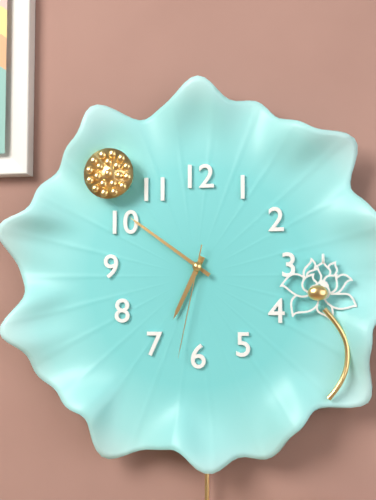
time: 6:51:32
